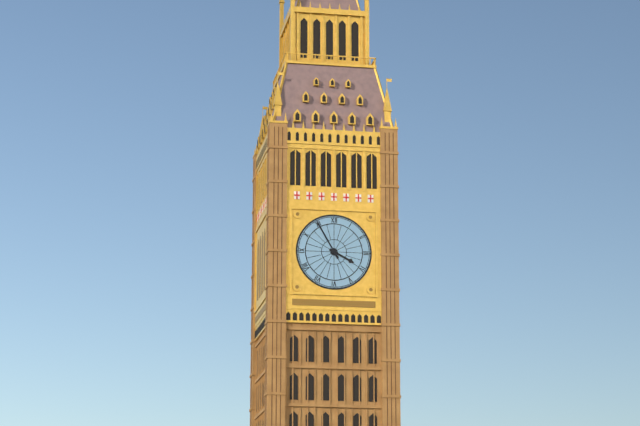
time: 3:55
